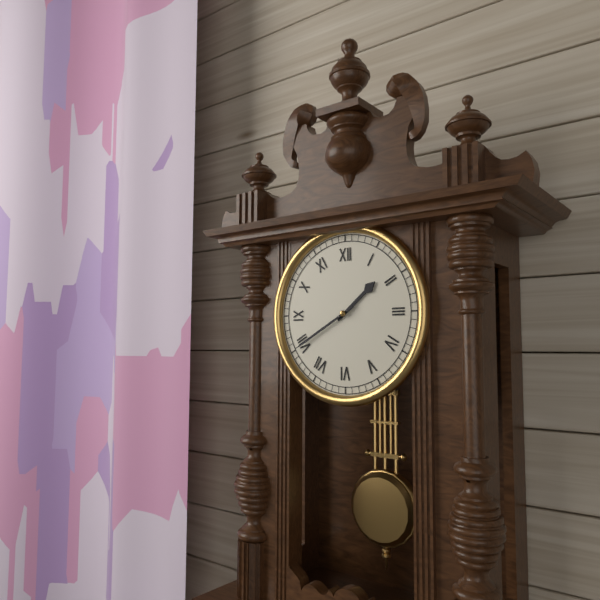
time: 1:40
